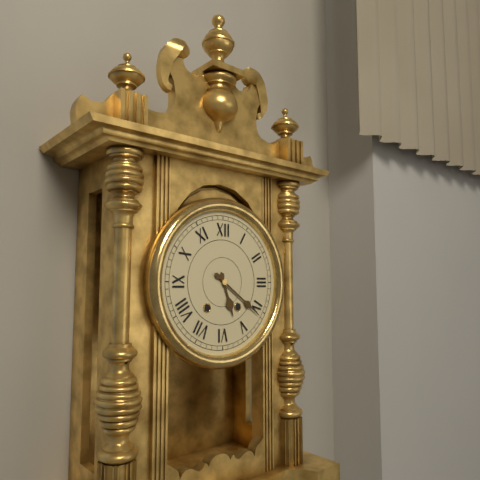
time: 5:21
